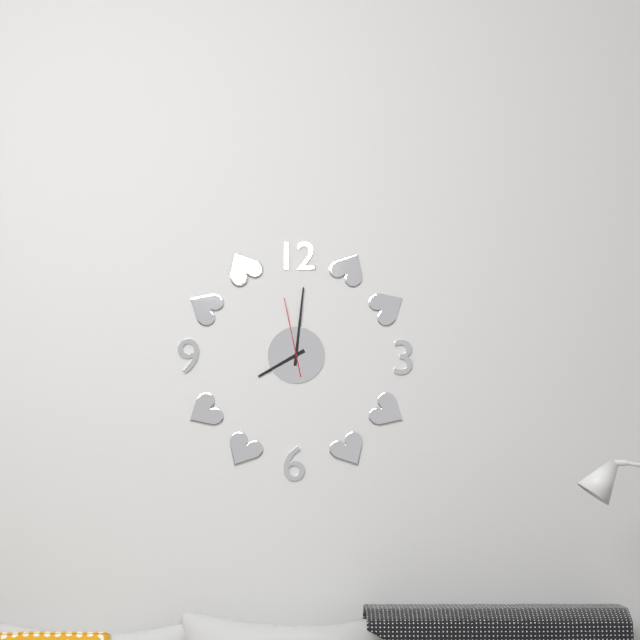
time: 8:01:58
